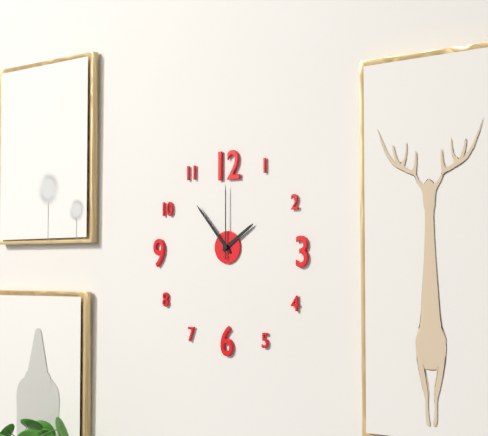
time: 1:53:00
